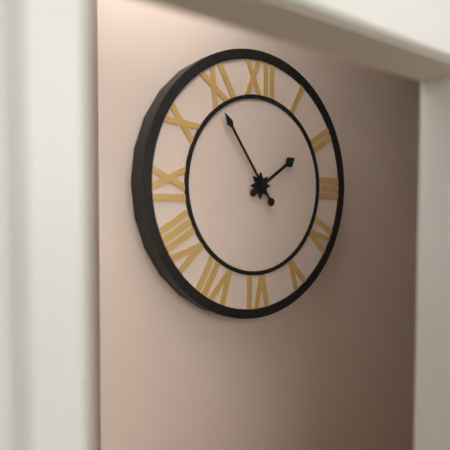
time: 1:54
